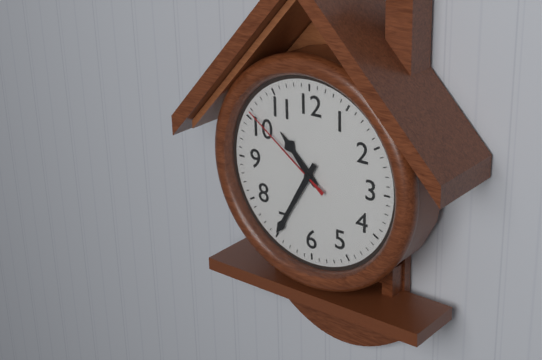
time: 10:35:51
